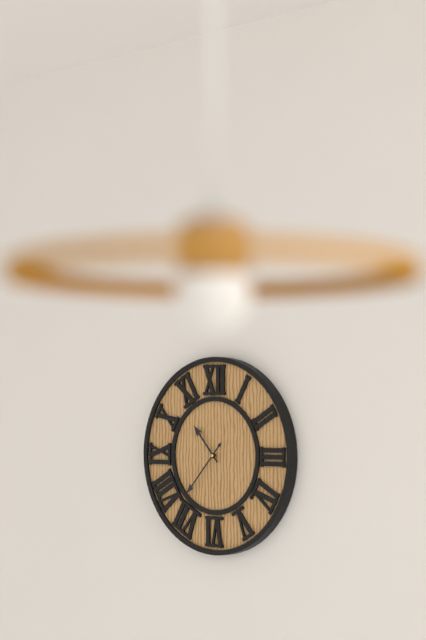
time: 10:37
